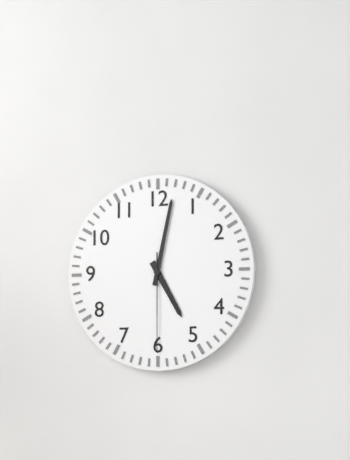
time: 5:02:30
